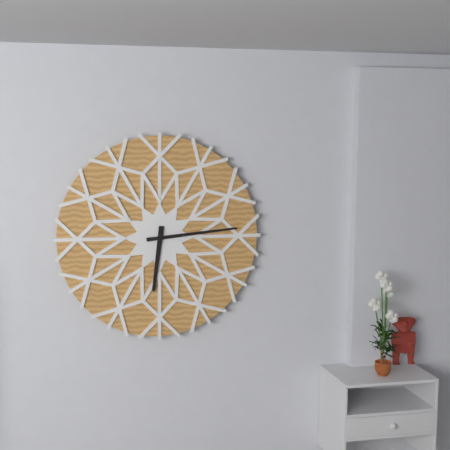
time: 6:14
